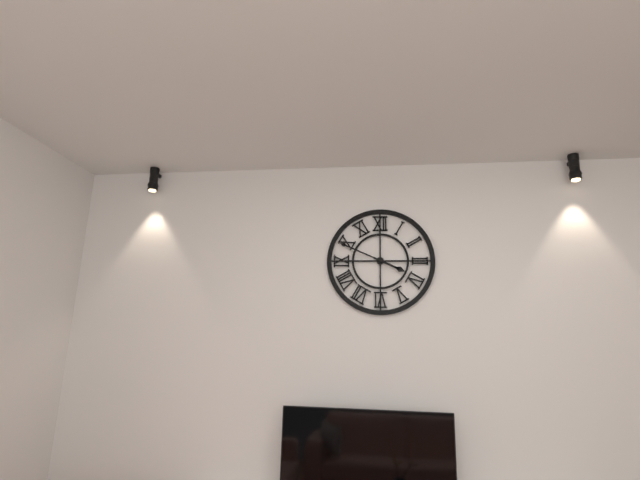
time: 3:49
